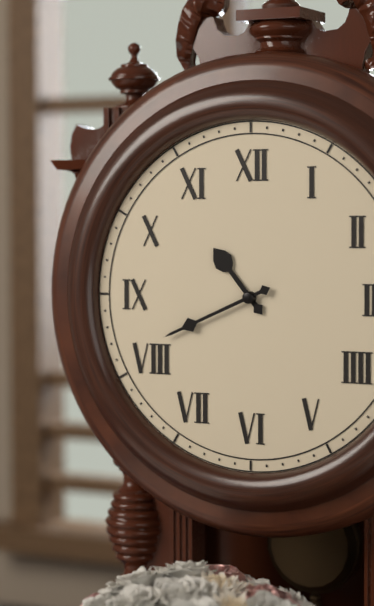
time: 10:41
